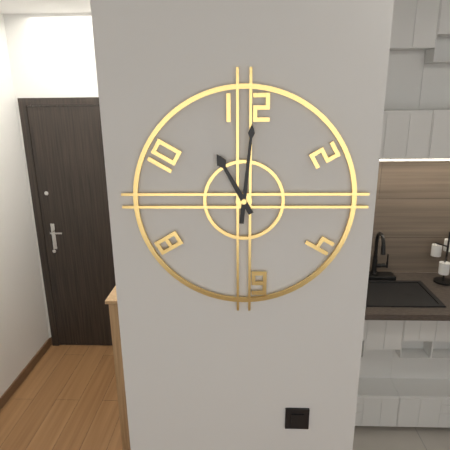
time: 11:01
